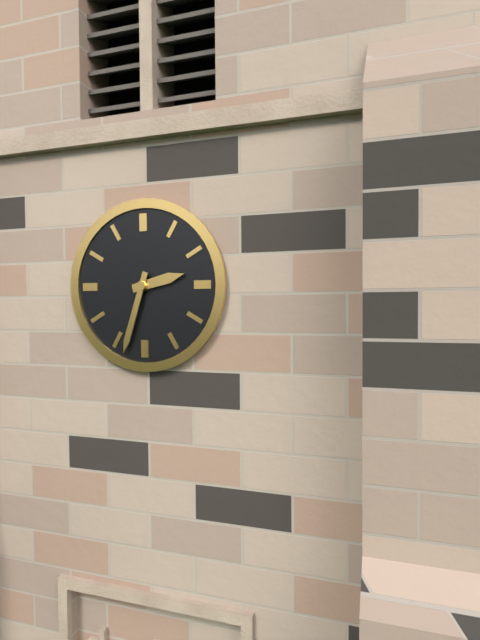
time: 2:33
